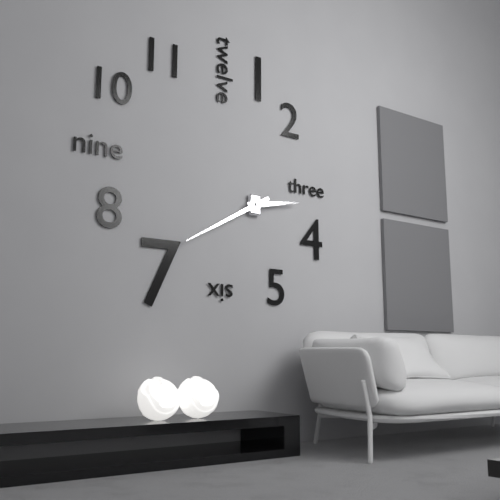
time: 2:40
